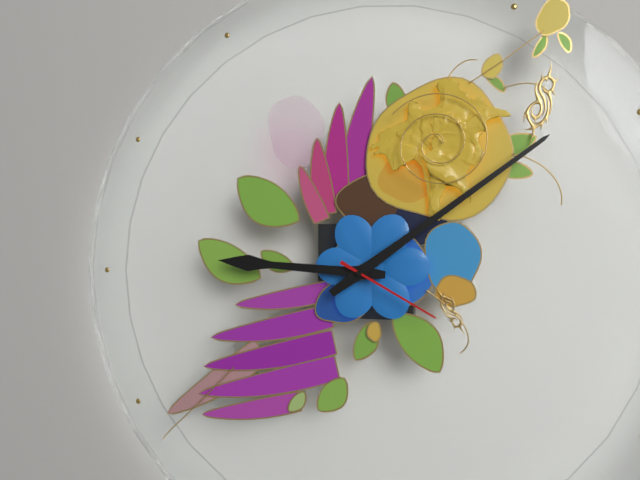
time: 9:09:20
